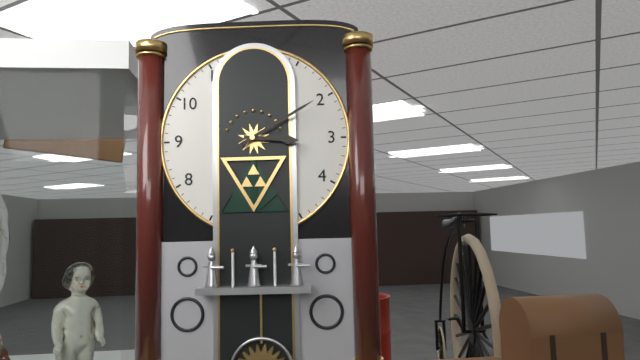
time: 3:10
